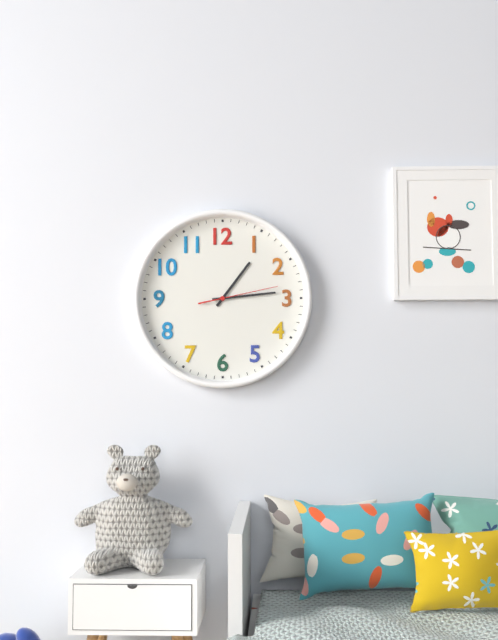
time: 1:14:13
